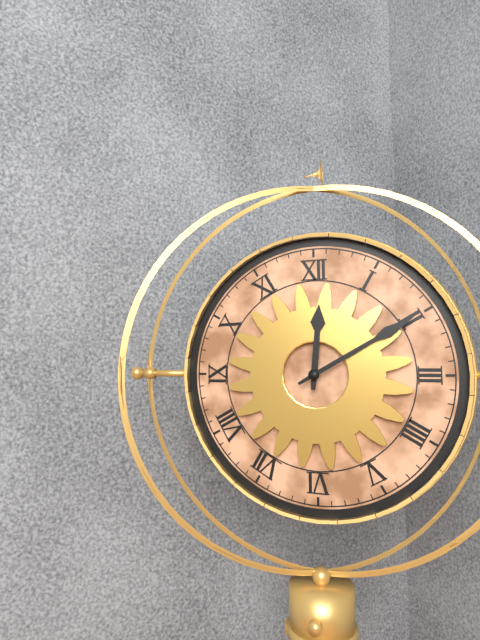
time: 12:10
